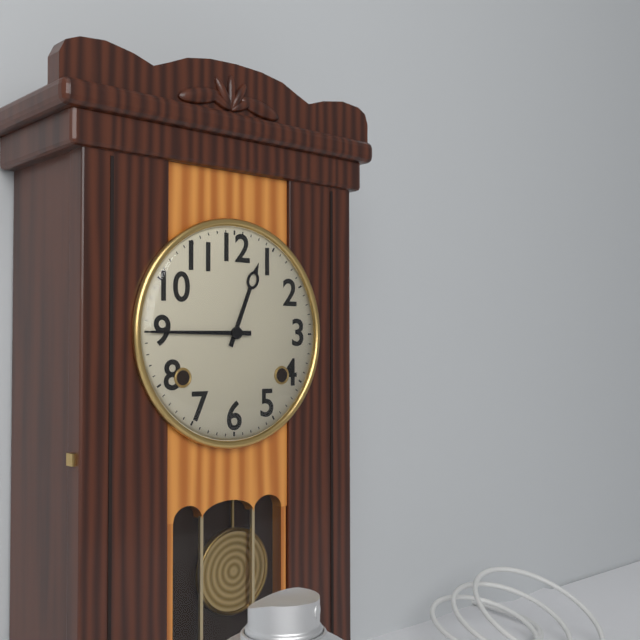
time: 12:45
